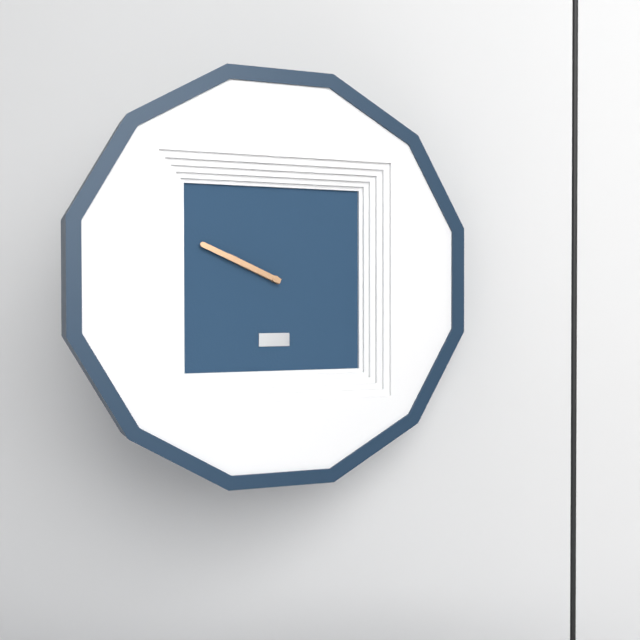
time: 9:49
